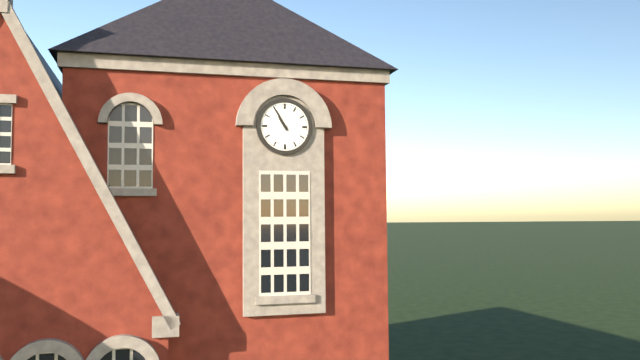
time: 10:55
